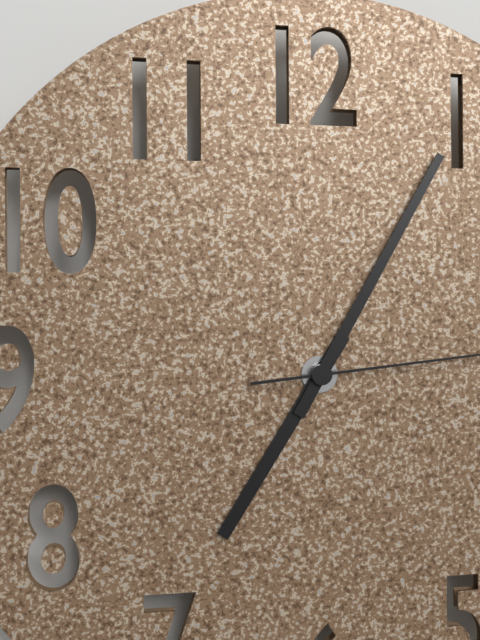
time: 7:05
